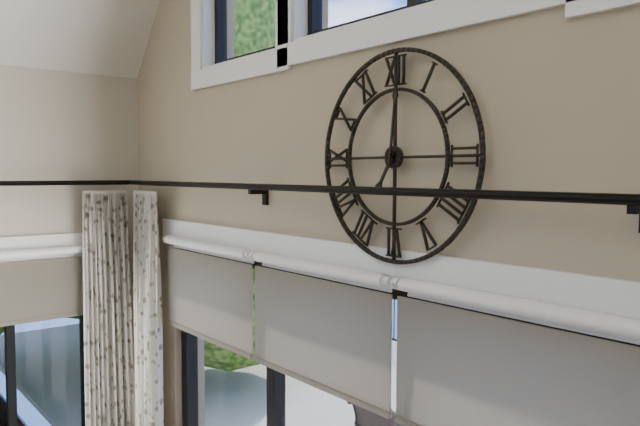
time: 7:01
